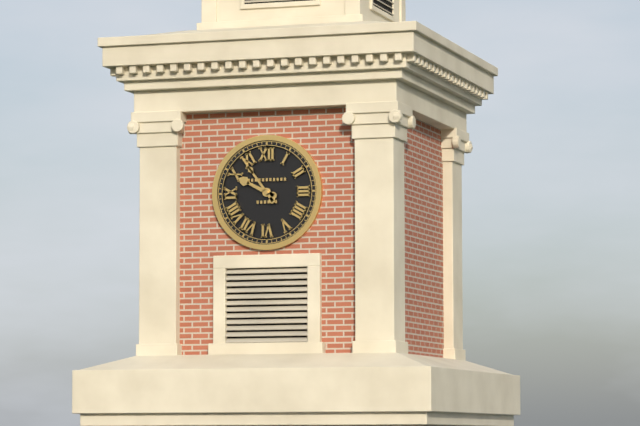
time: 9:54
